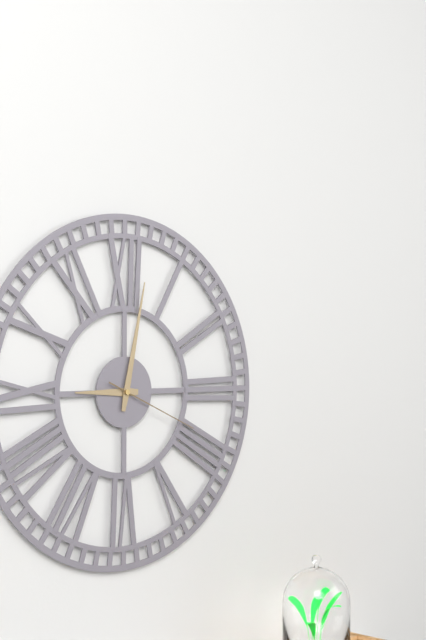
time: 9:02:19
